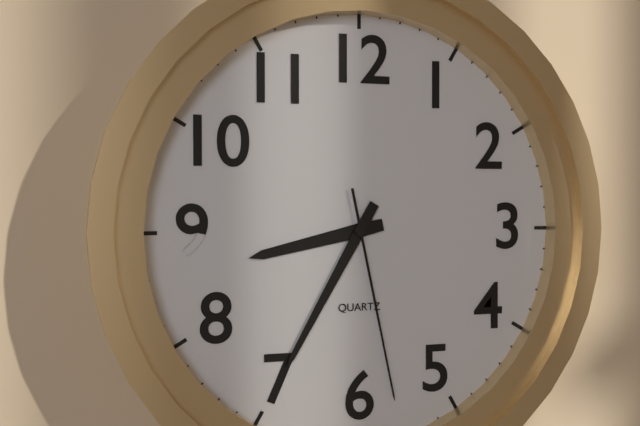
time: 8:35:28
